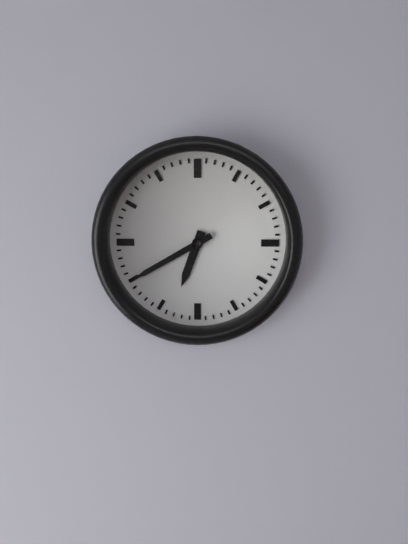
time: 6:40
